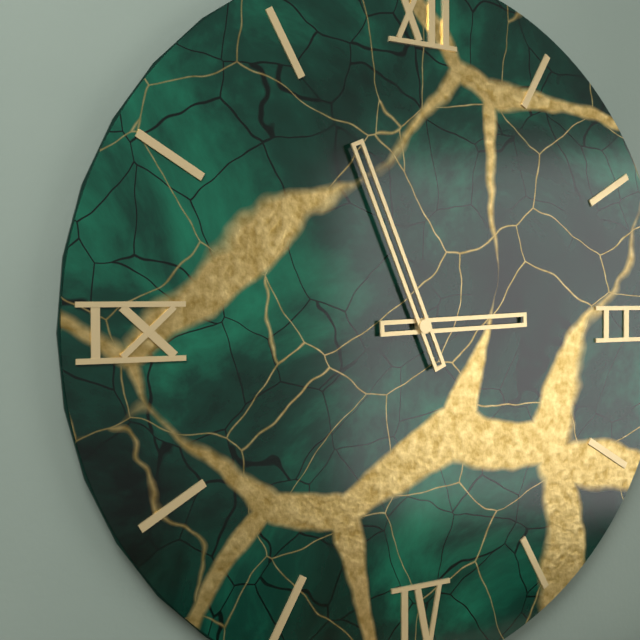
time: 2:56
